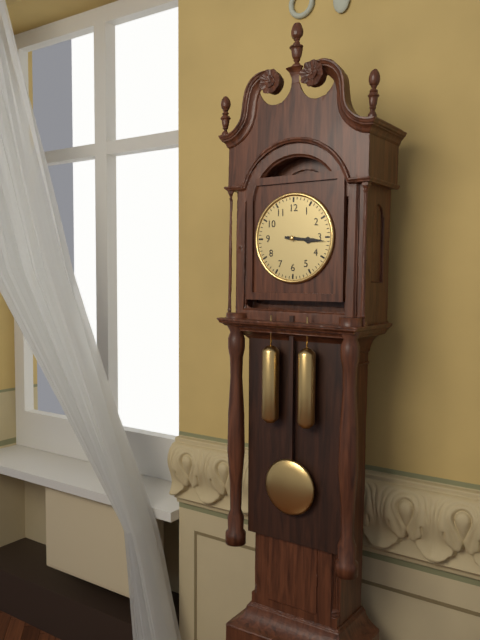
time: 3:16
